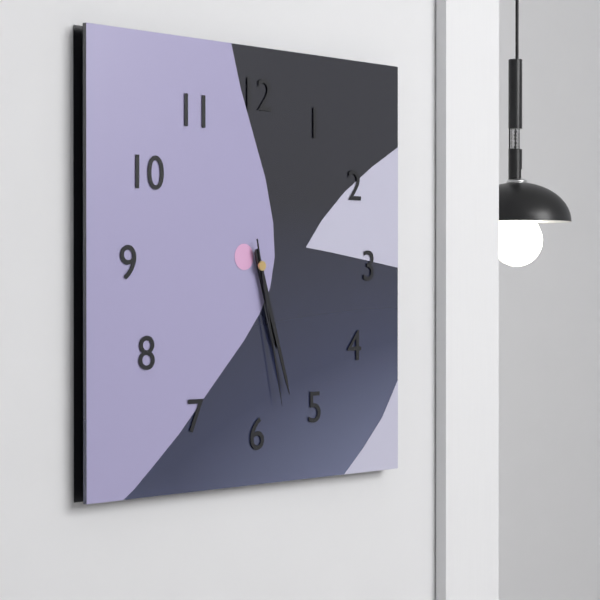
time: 5:27:28
